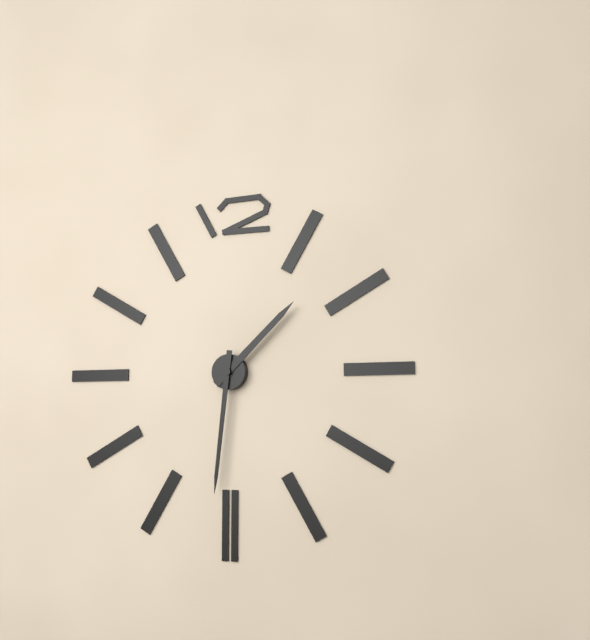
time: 1:31
